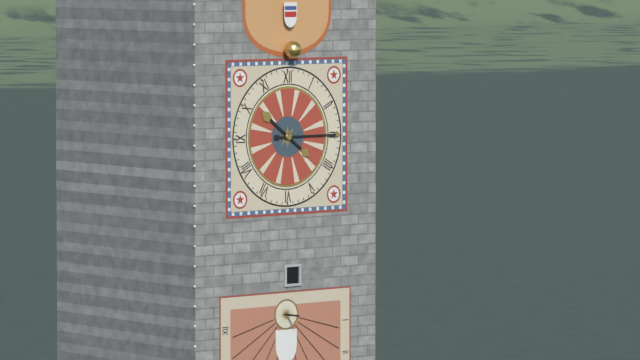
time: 10:15
